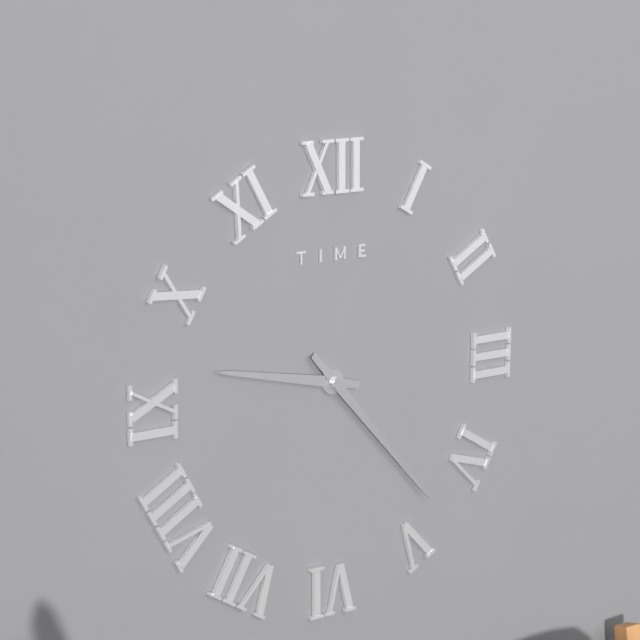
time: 9:23
